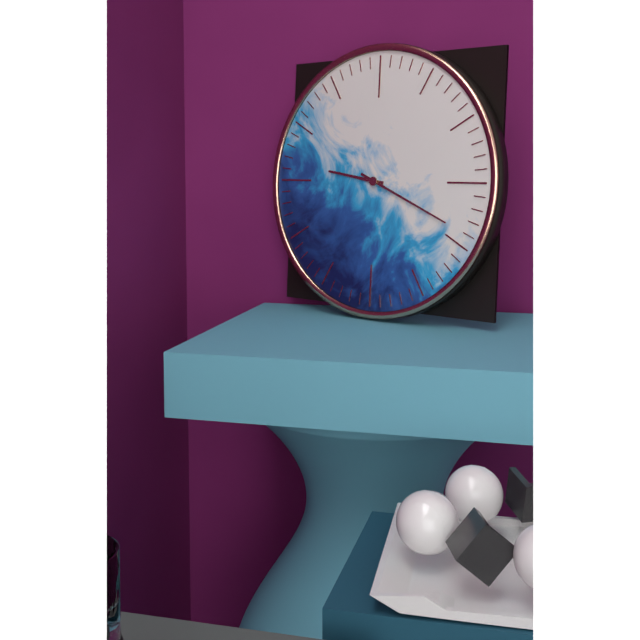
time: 9:19
